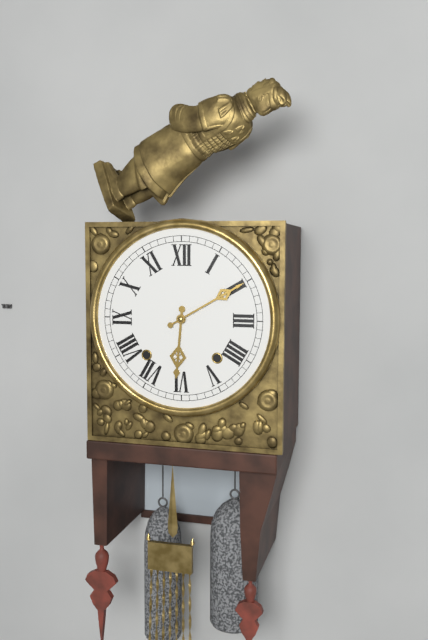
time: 6:10
